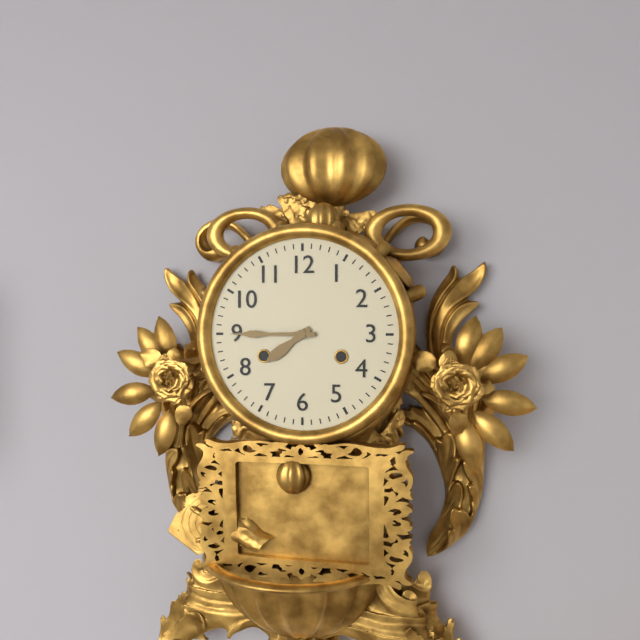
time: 7:45
